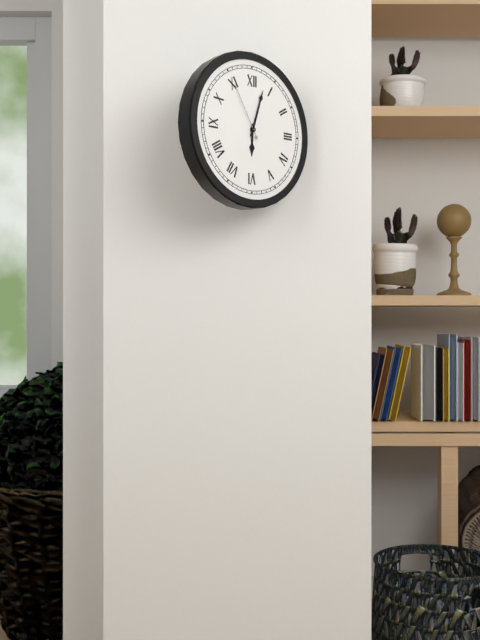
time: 6:03:55
